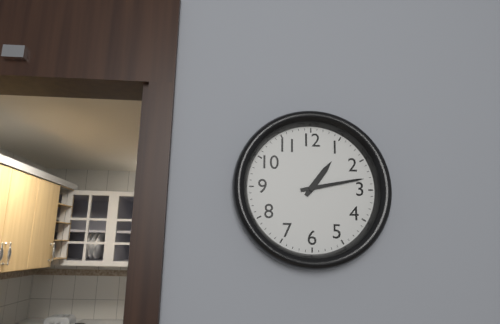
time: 1:13
